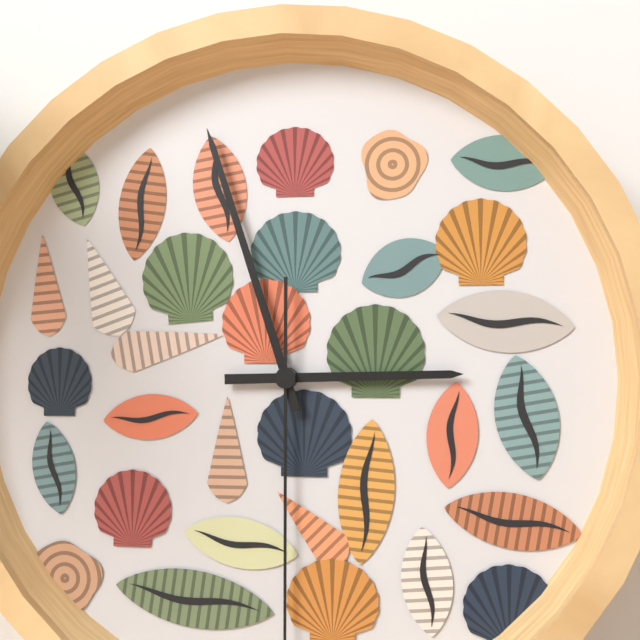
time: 2:57
